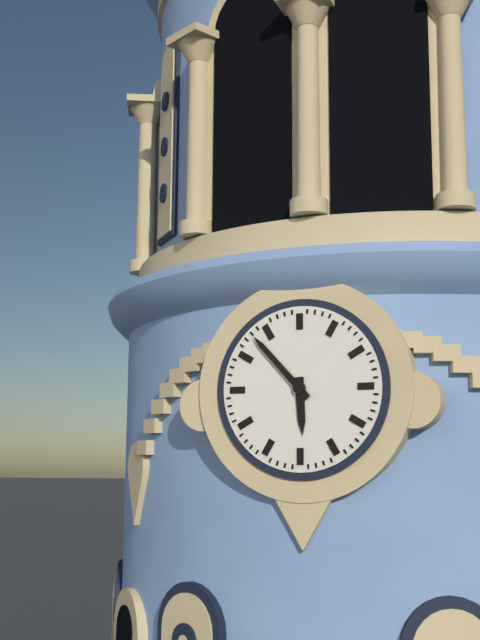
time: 5:53
